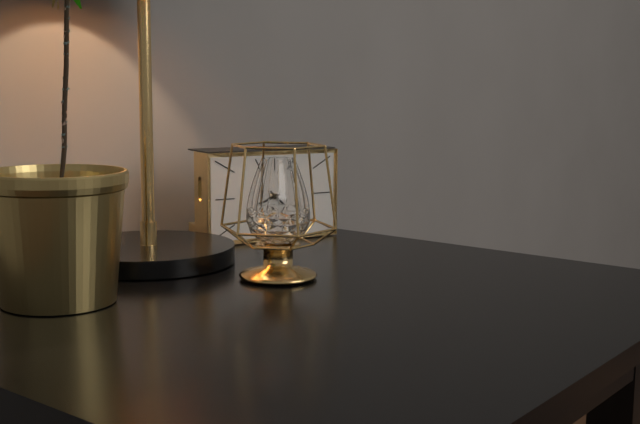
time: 8:22
